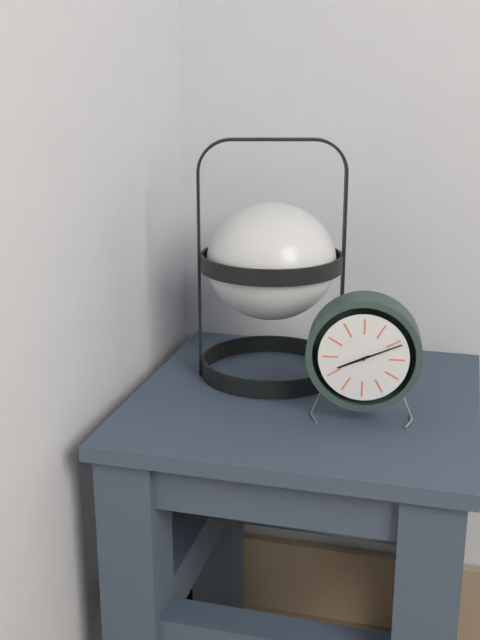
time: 8:11
